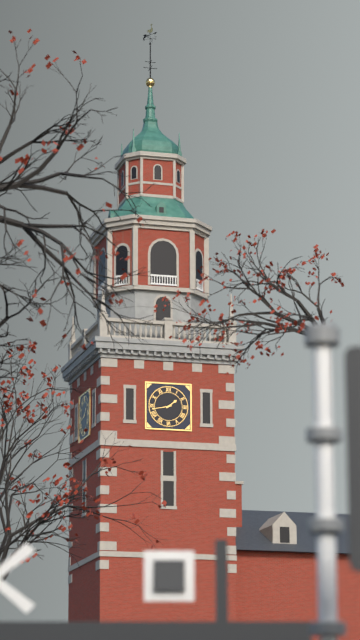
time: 1:43
